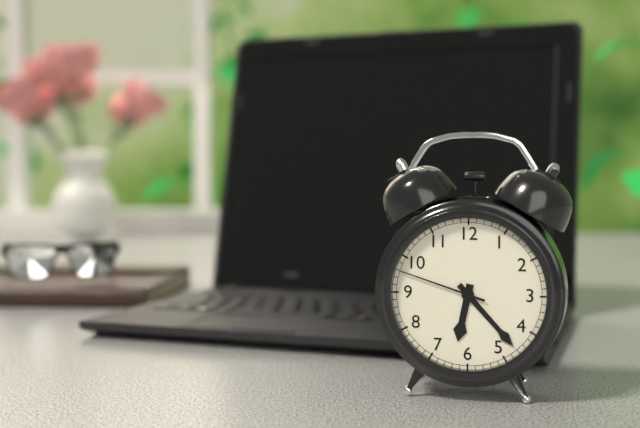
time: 6:23:48
